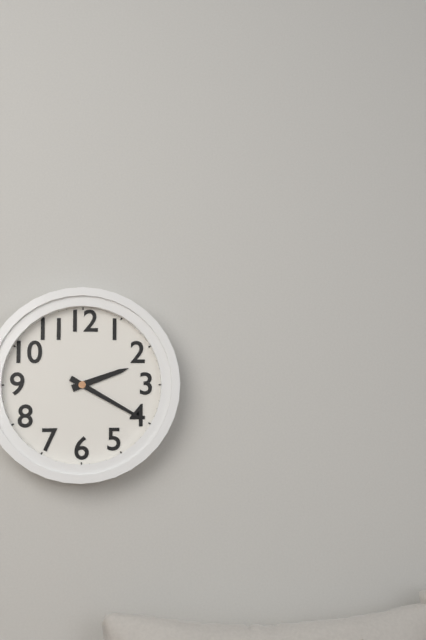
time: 2:20
